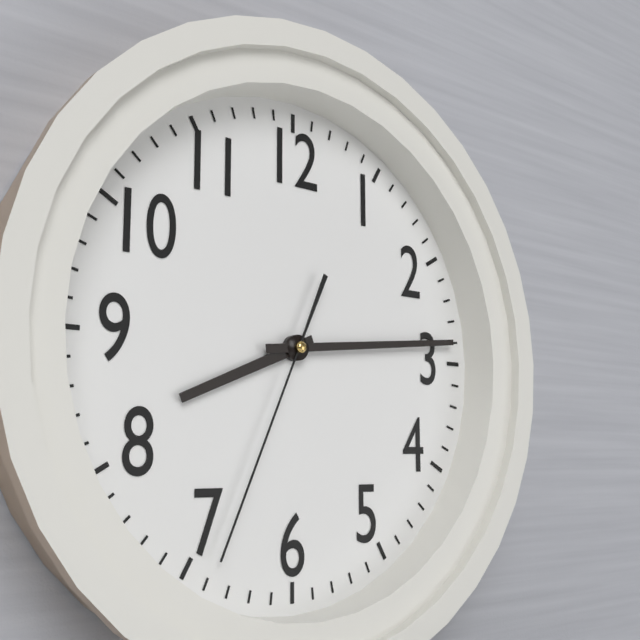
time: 8:14:34
